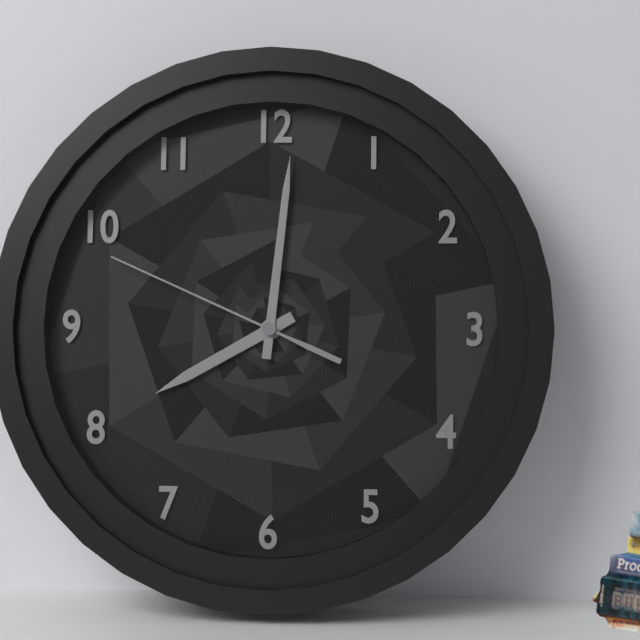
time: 8:01:49
